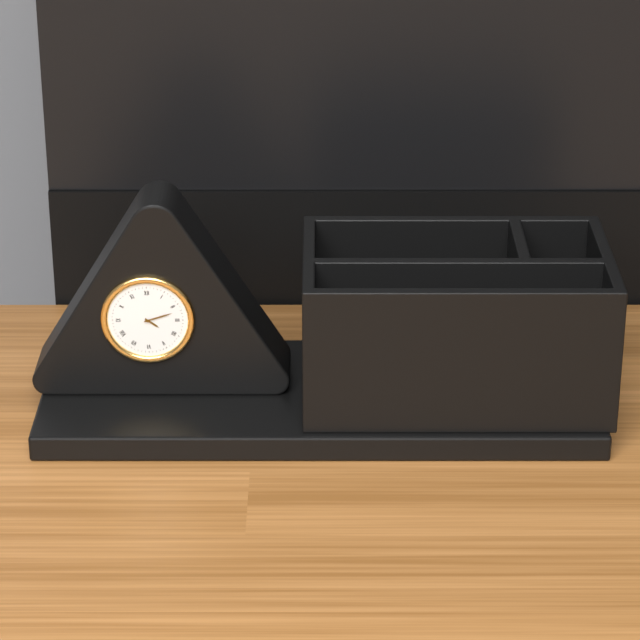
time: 4:12
